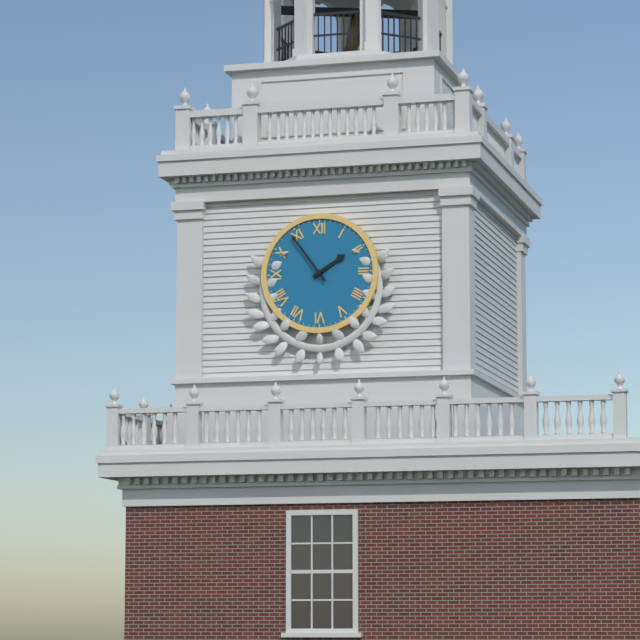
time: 1:54
